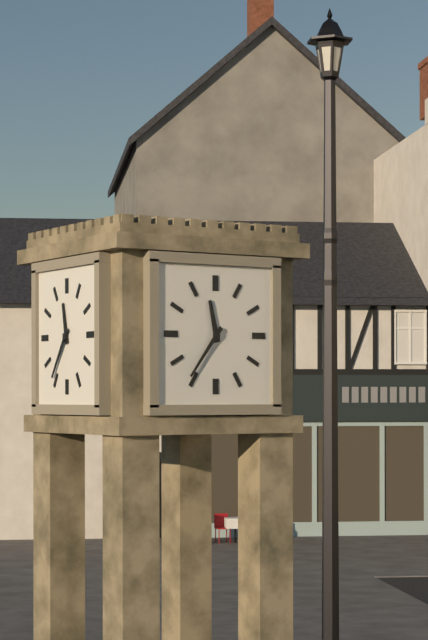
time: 11:36
